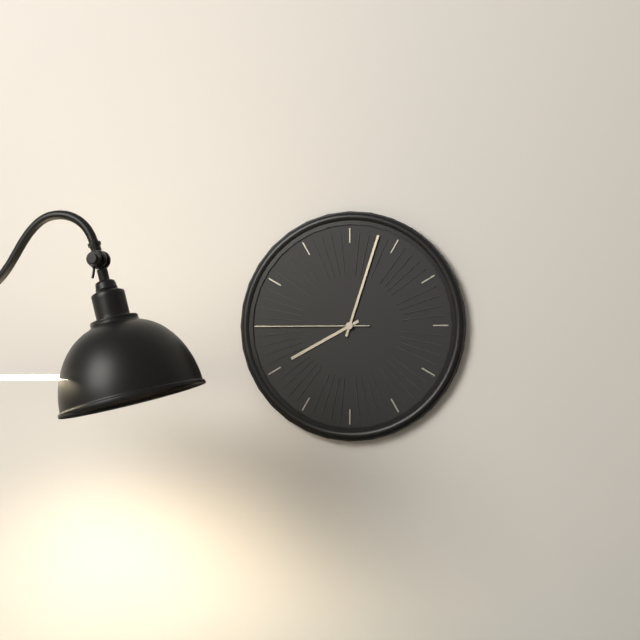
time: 8:03:45
